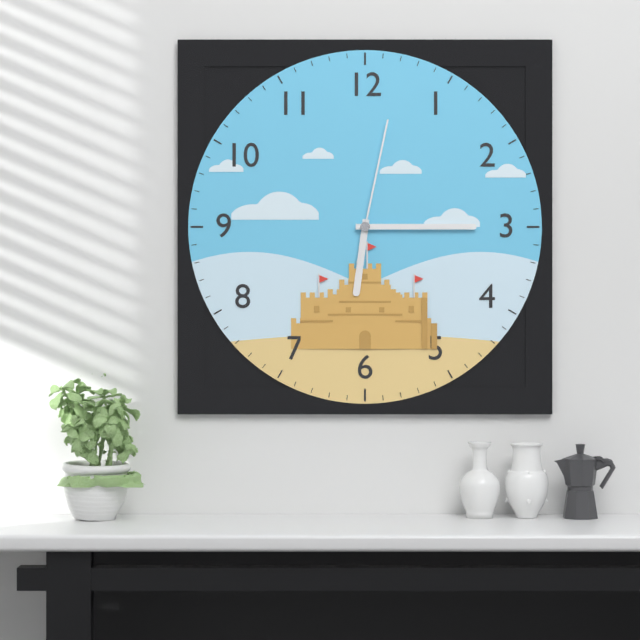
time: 6:15:02
